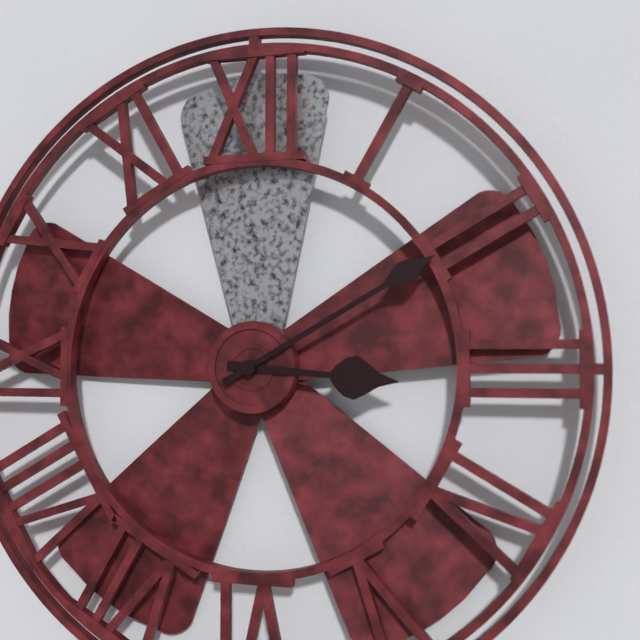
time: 3:10
